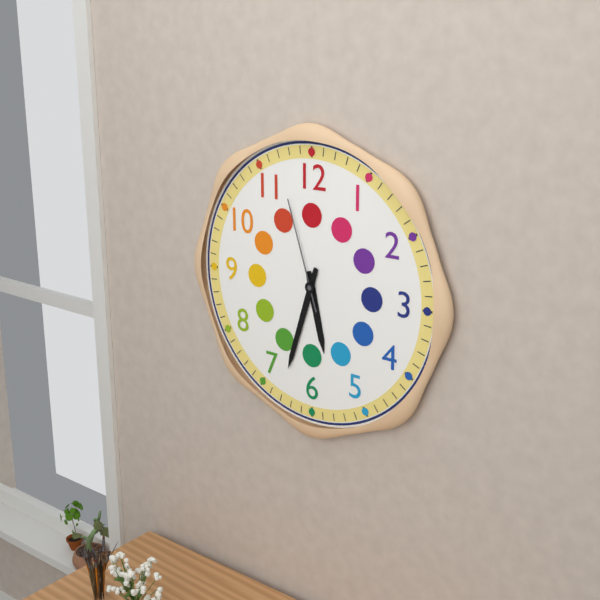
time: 5:33:57
